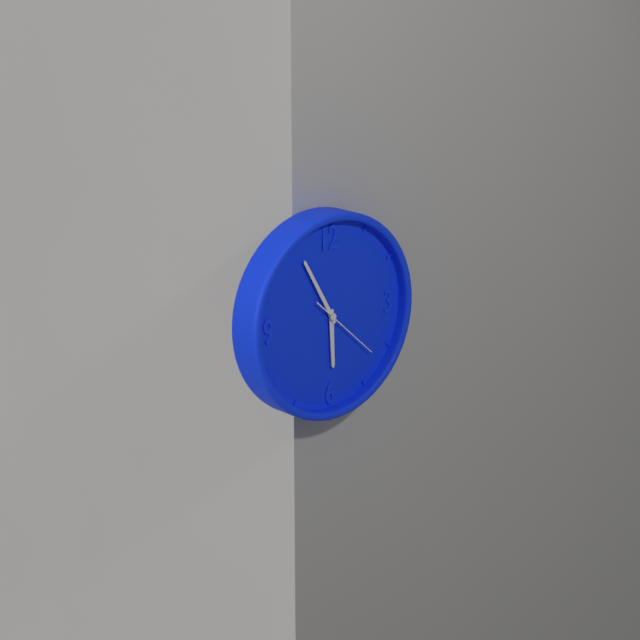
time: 5:55:22
